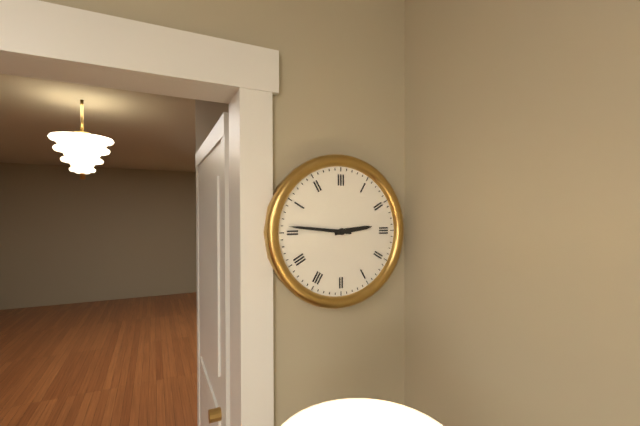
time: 2:46
